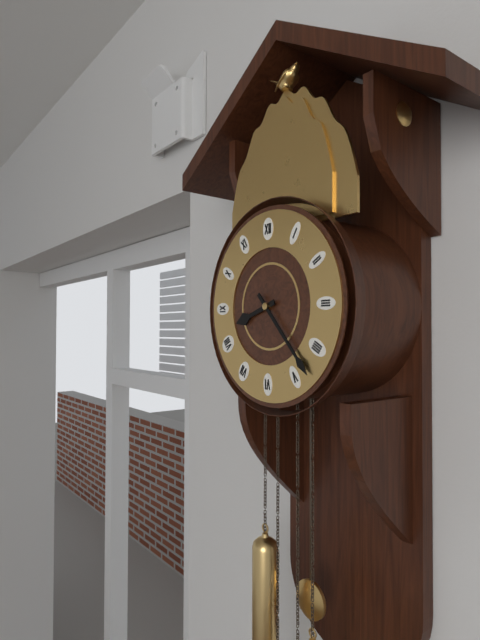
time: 8:23
